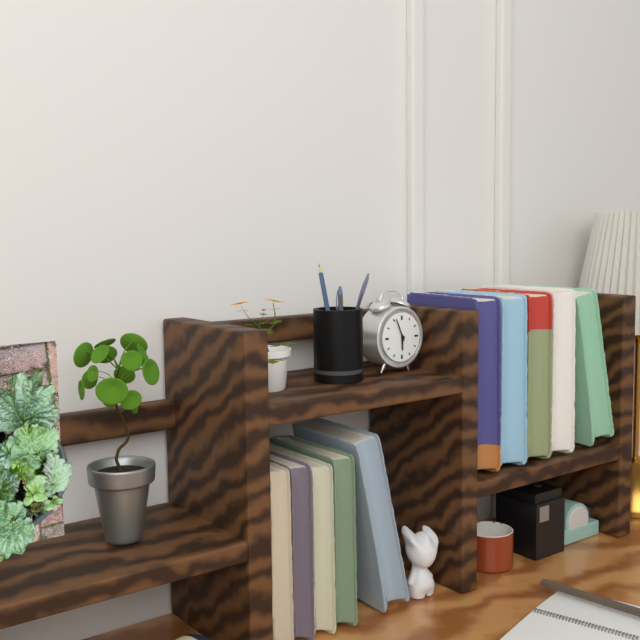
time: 5:56
